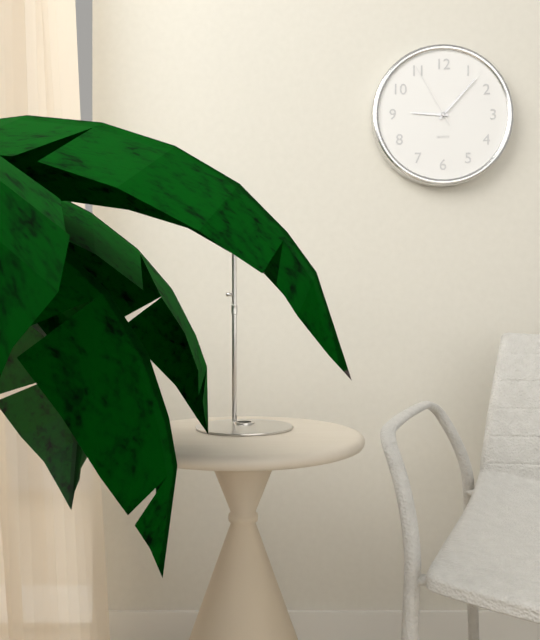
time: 9:07:55
